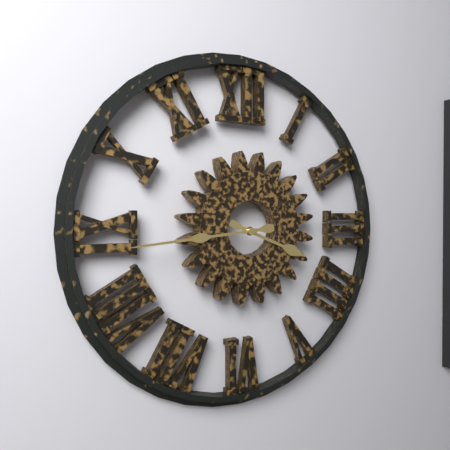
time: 3:44
